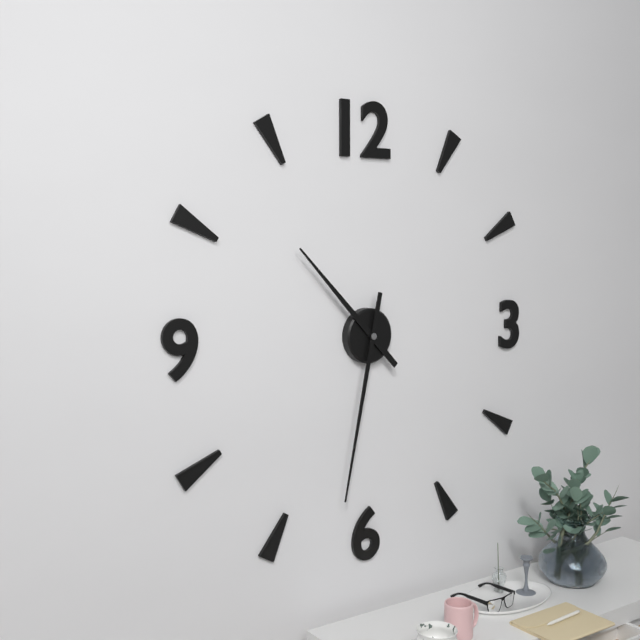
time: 10:32
